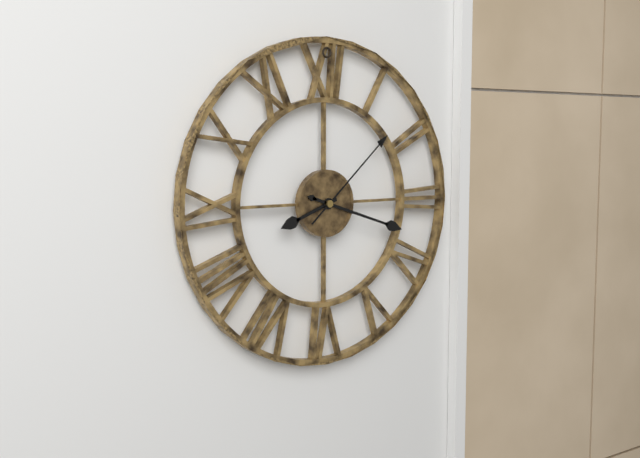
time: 8:18:08
